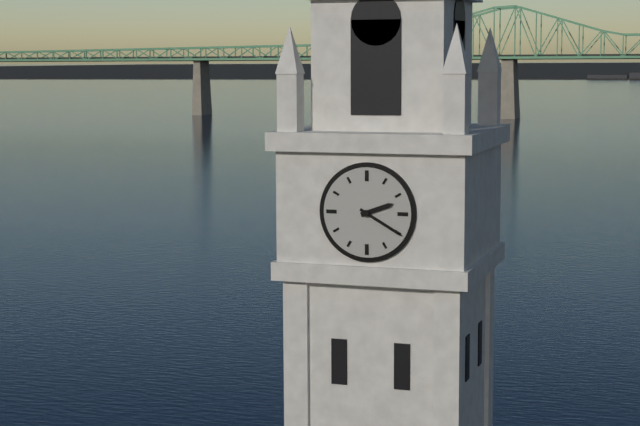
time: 2:20
